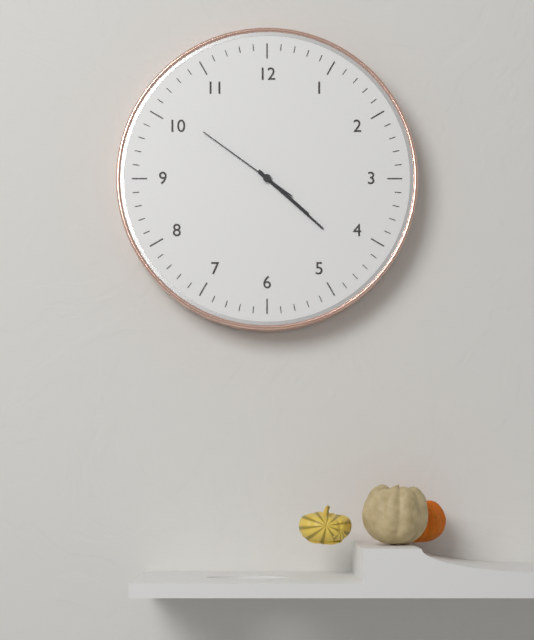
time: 4:22:51
